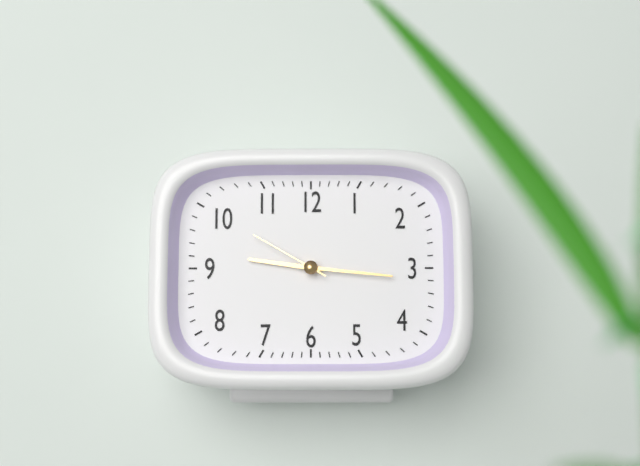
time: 9:16:50
